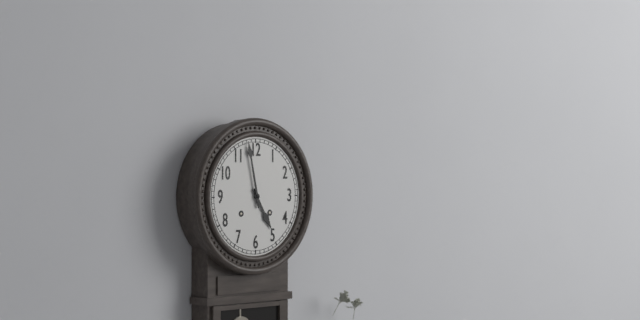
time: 4:58
